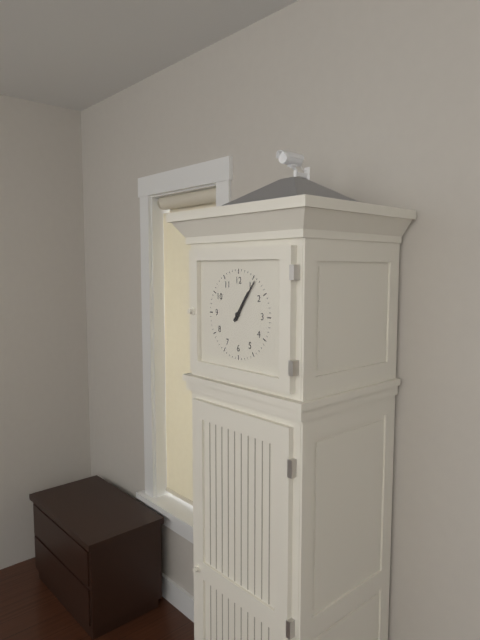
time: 1:06
